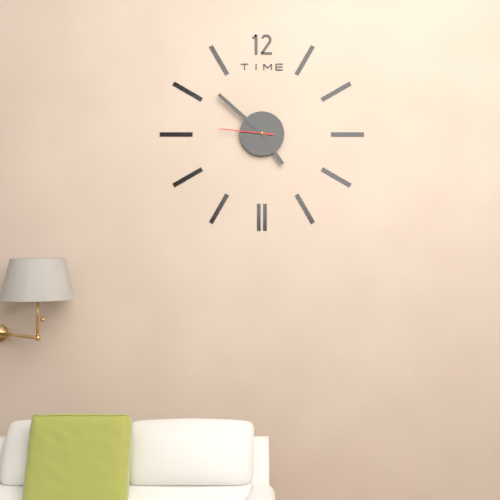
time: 4:52:46
